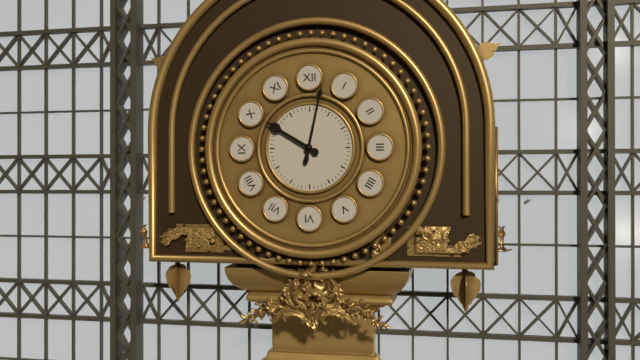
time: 10:02
